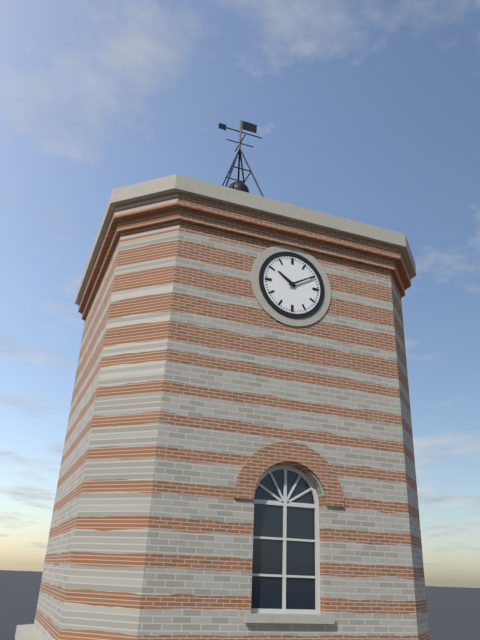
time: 10:10
